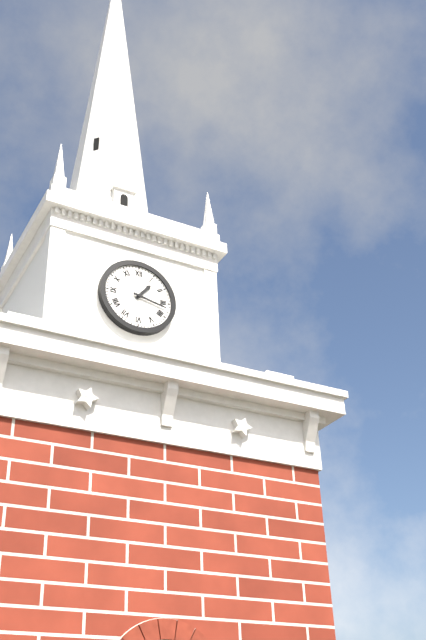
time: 1:17
